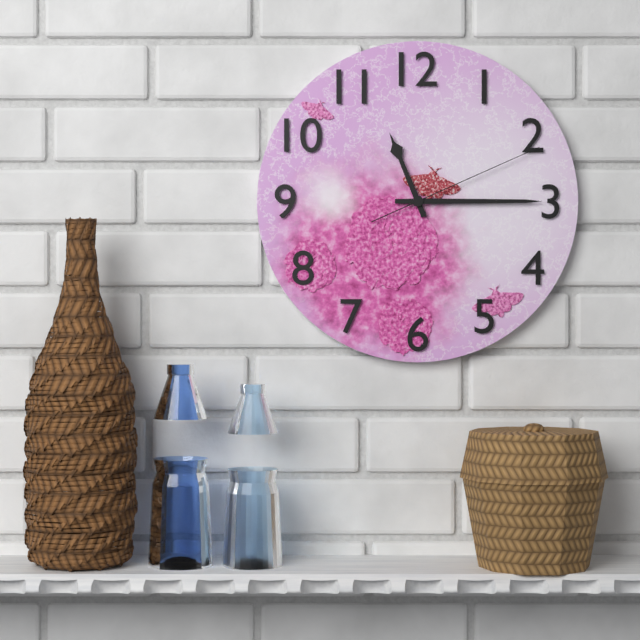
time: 11:15:11
